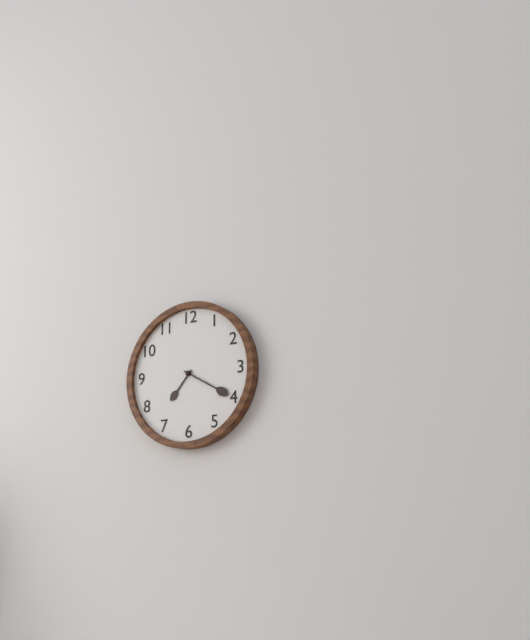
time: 7:20
